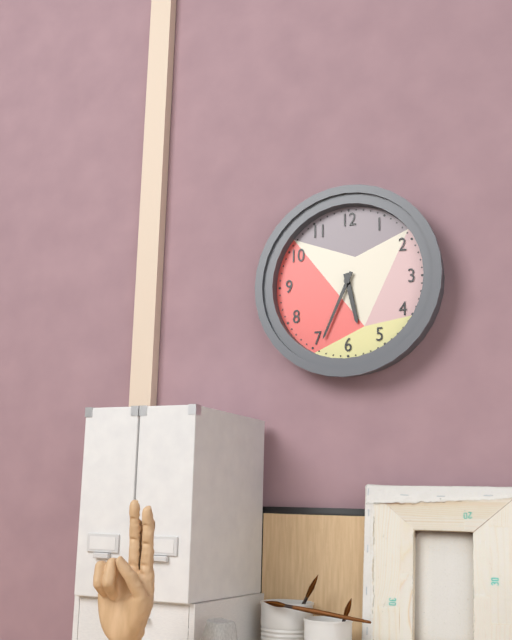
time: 5:34
